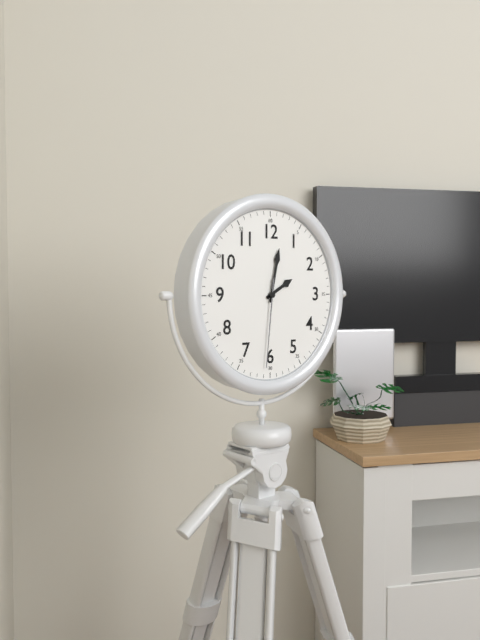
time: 2:02:31
